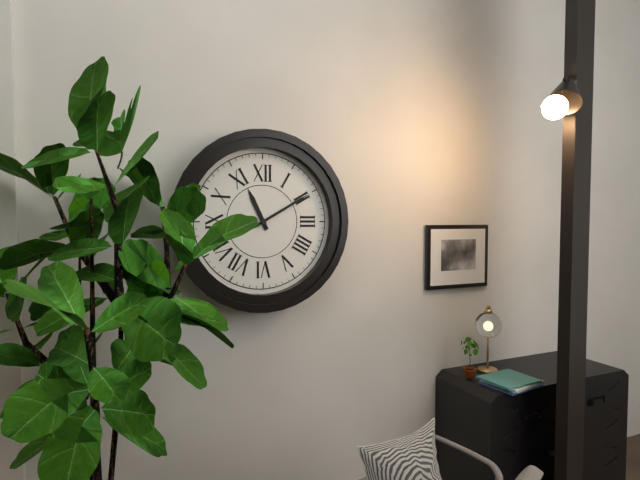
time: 11:10
